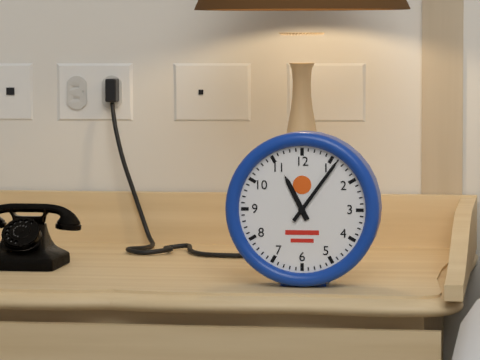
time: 11:06
